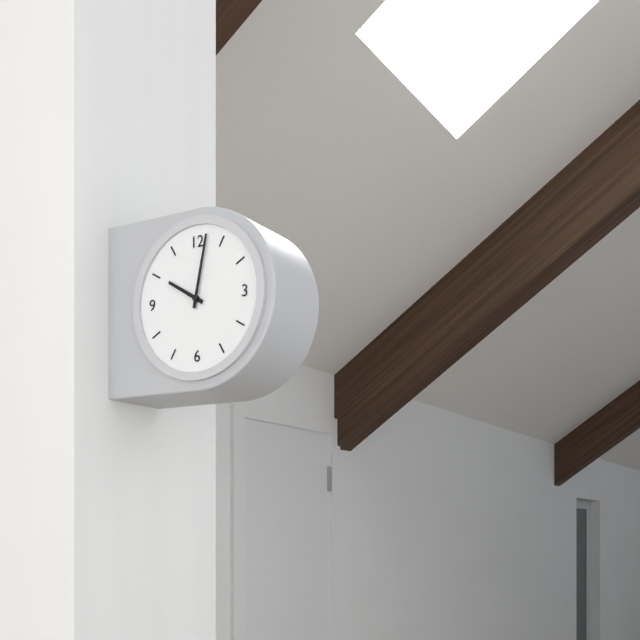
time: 10:02
